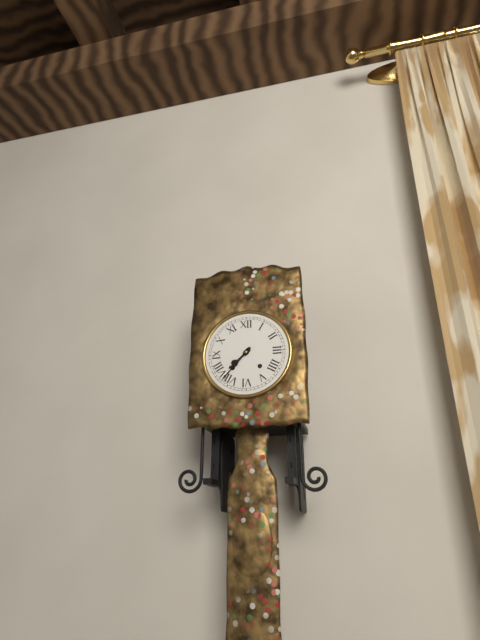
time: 7:37
